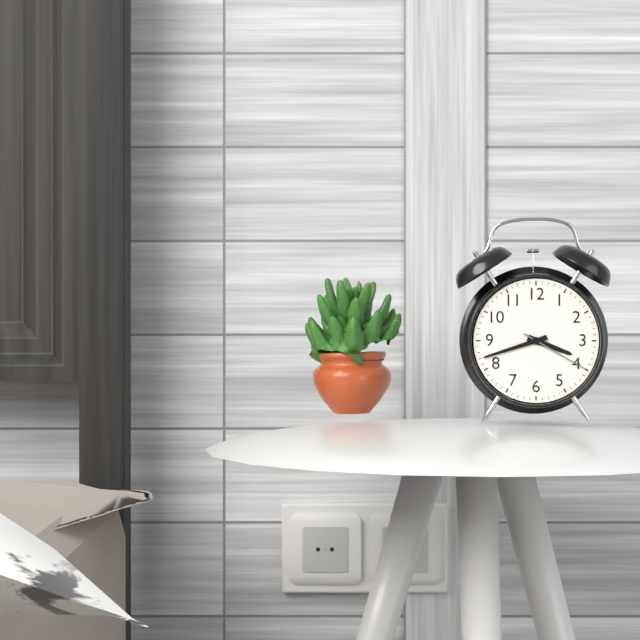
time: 3:42:20
